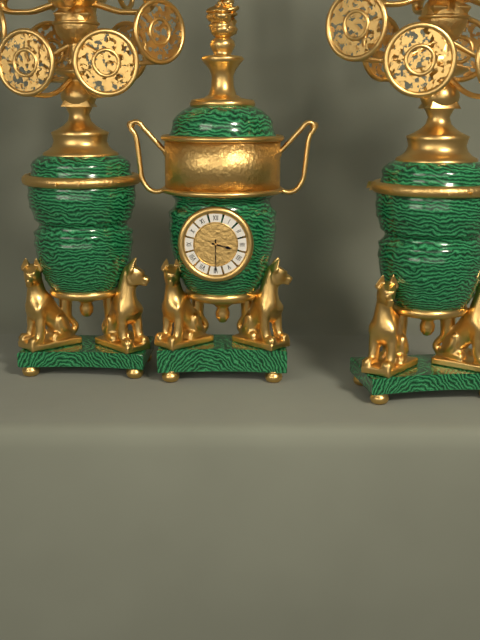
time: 3:30
